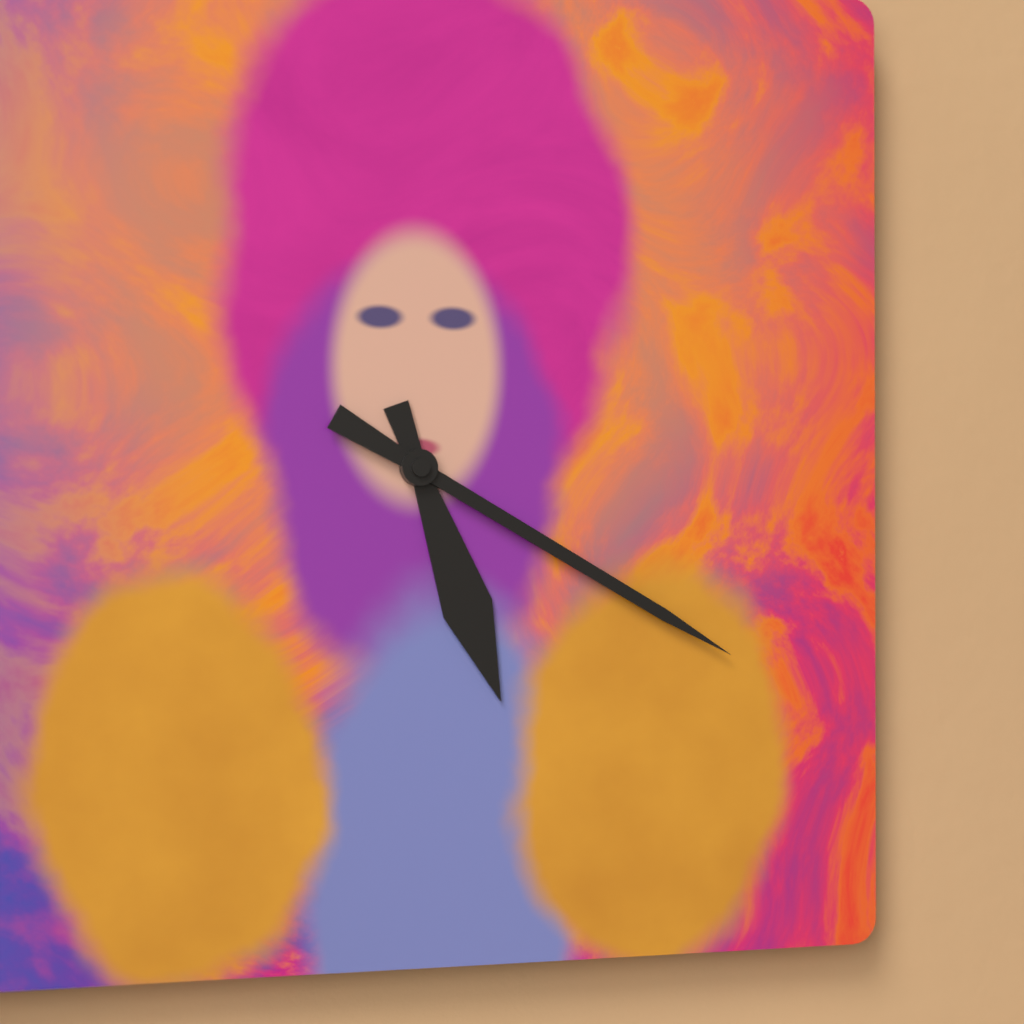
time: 5:20
